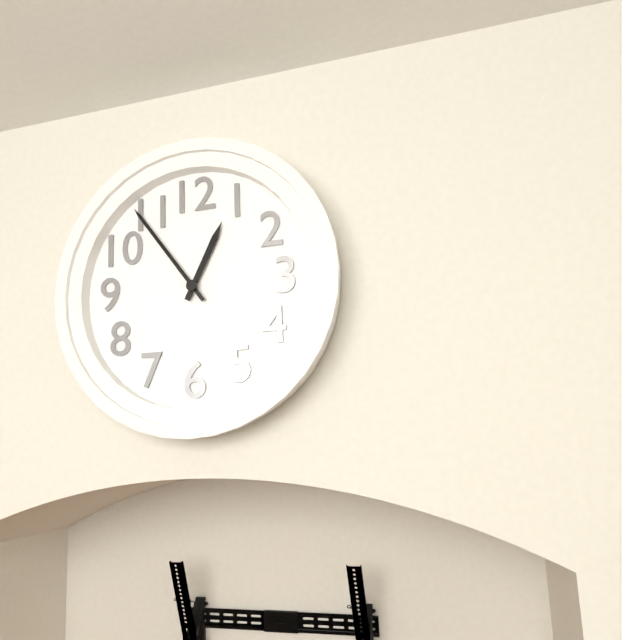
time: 12:54
